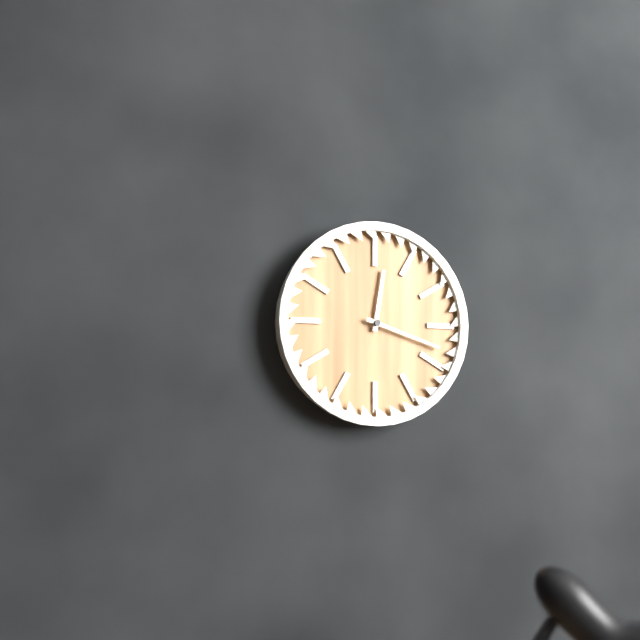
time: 12:18
